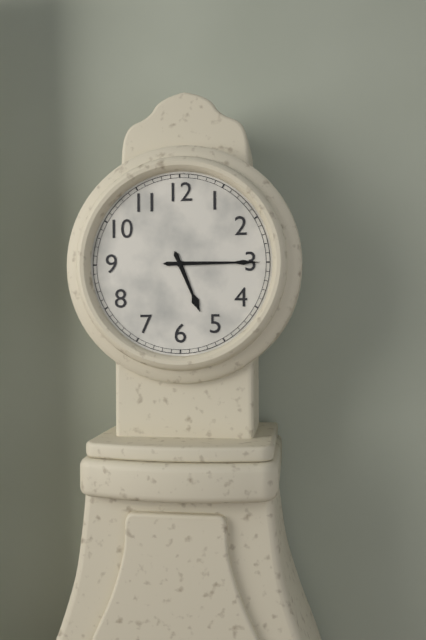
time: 5:15
